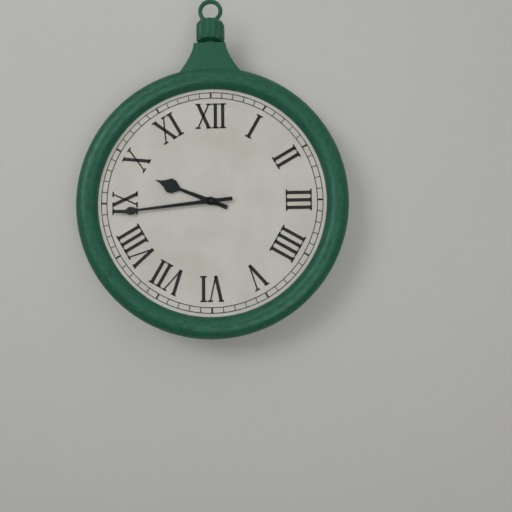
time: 9:44
